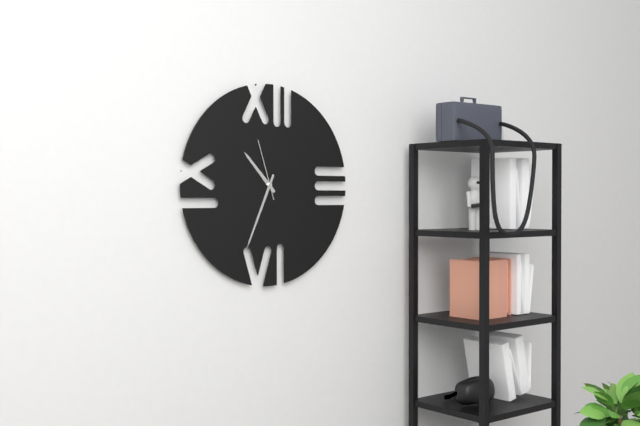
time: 10:34:57
